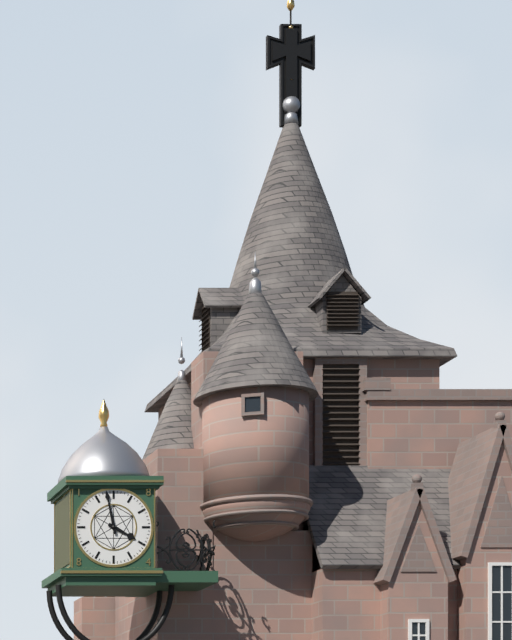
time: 3:58
